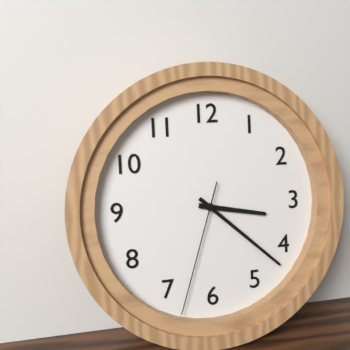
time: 3:22:33
